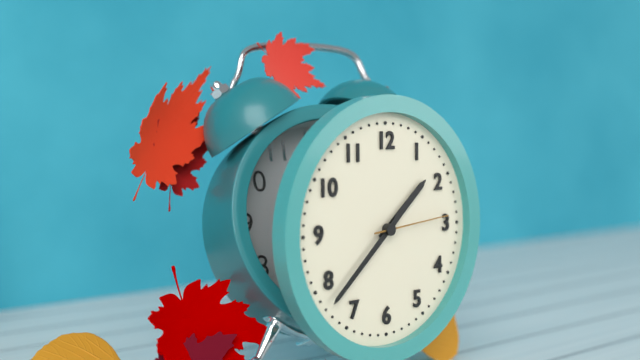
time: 1:38:14
